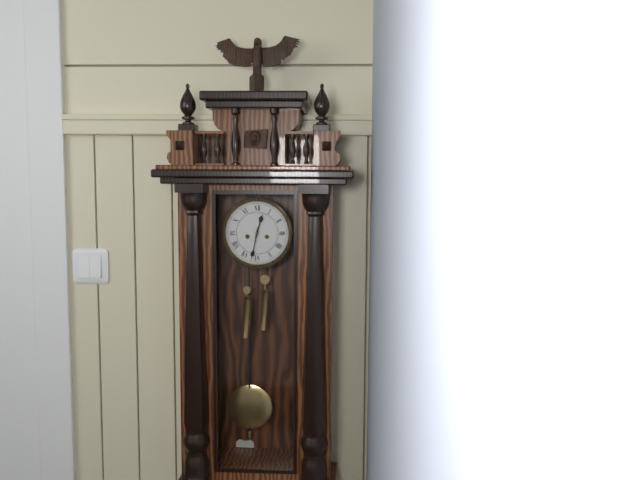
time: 12:32
